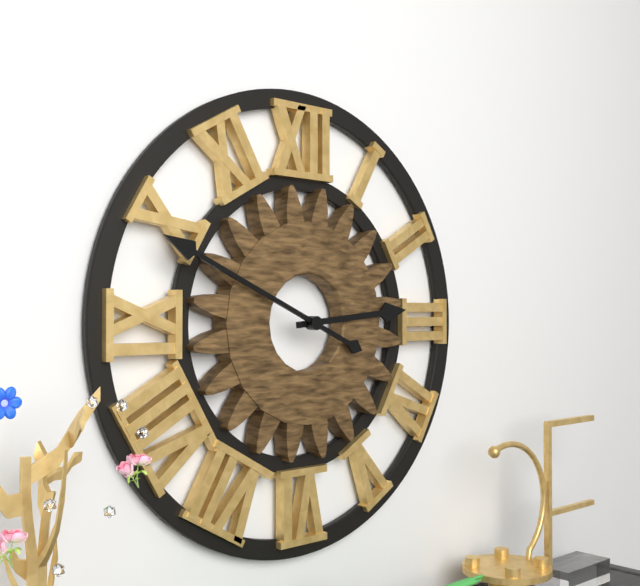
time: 2:49
